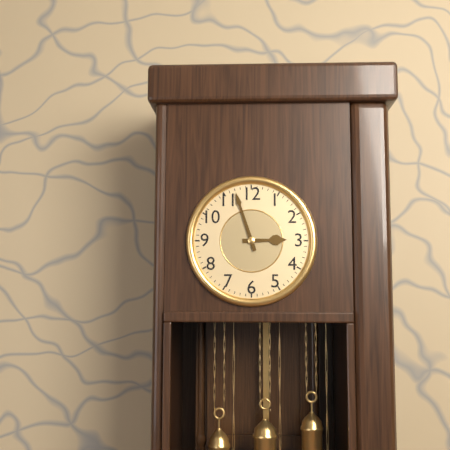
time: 2:57
